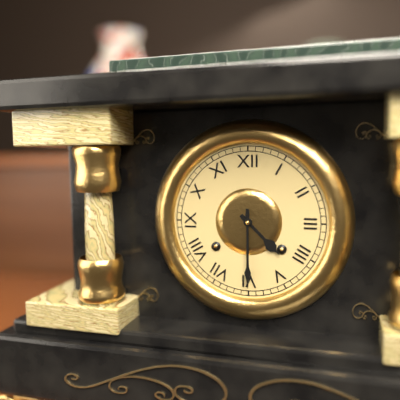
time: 4:30
